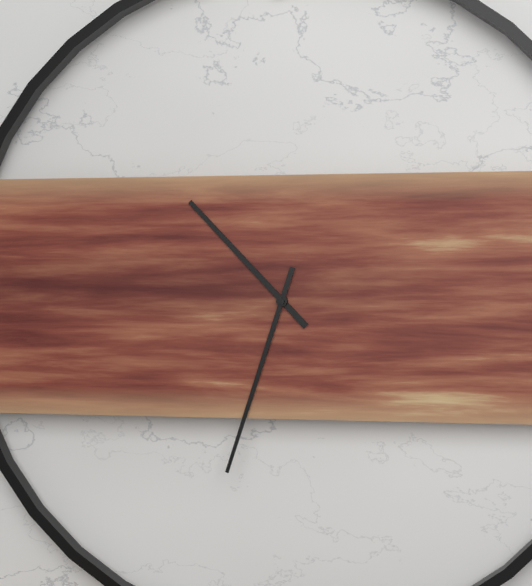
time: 10:33
